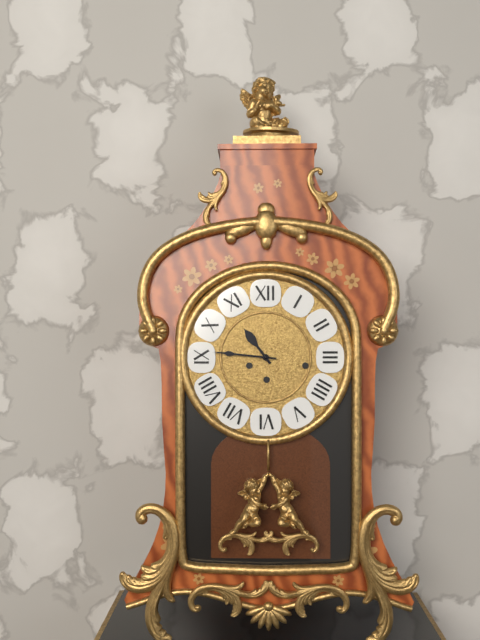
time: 10:46
